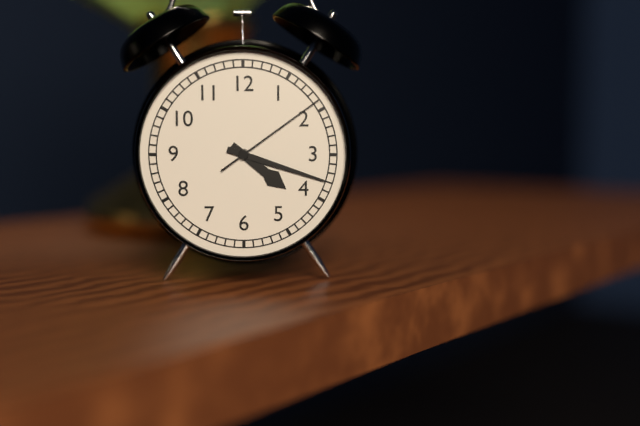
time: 4:18:09
